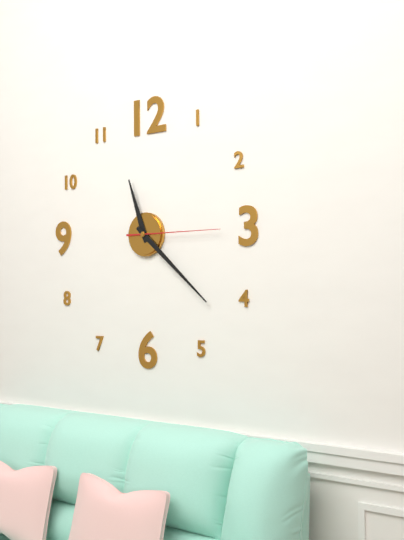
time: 11:22:15
